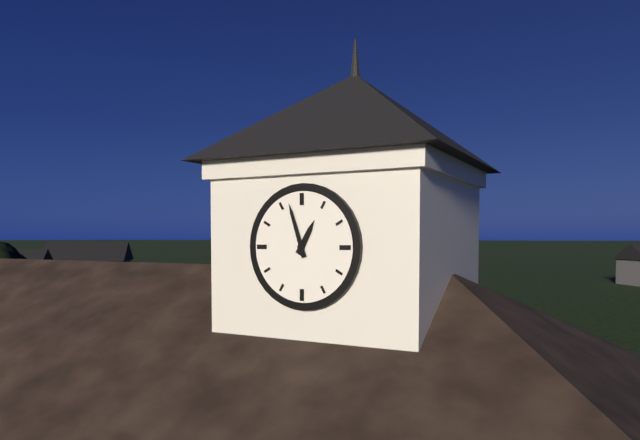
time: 12:57
